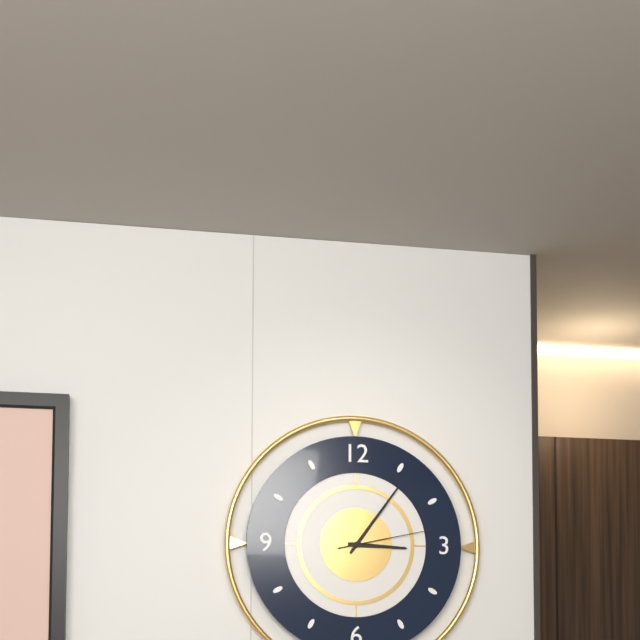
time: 3:06:13
